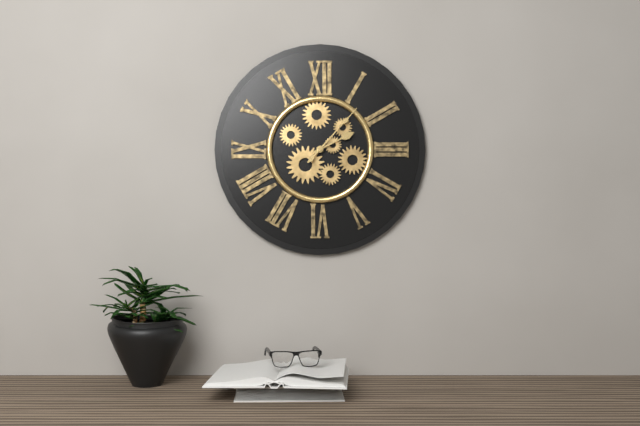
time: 2:07
